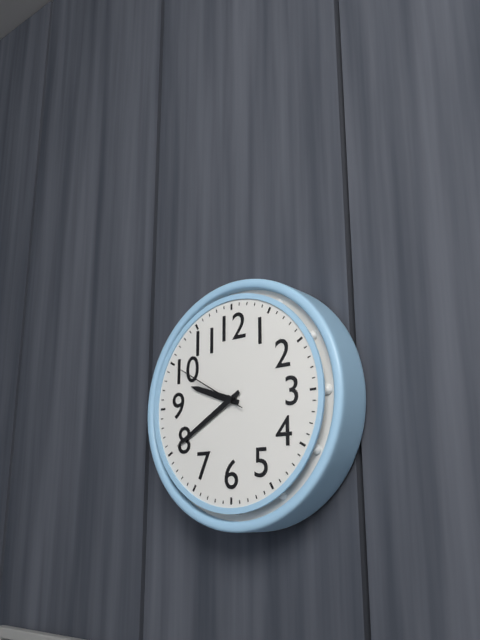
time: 9:40:50
